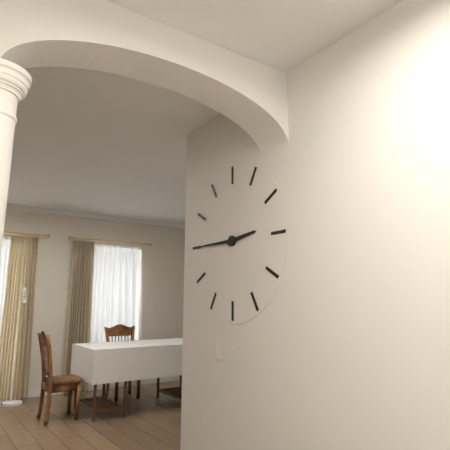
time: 2:45
